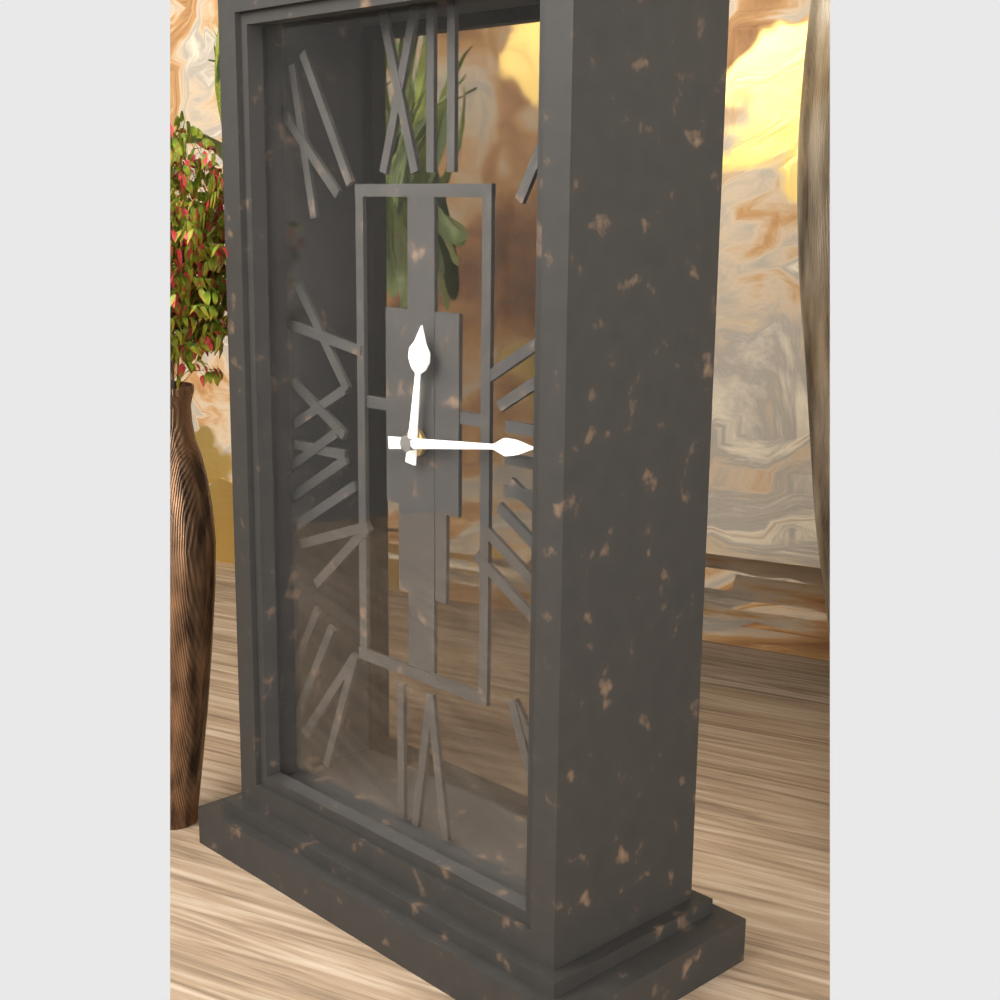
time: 12:14
